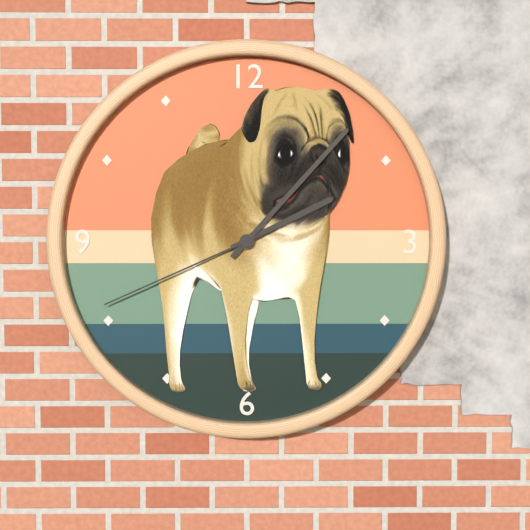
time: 2:07:41
